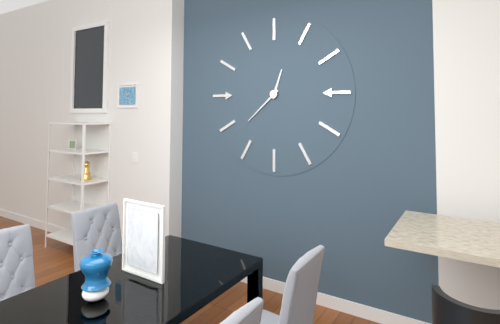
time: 12:38
